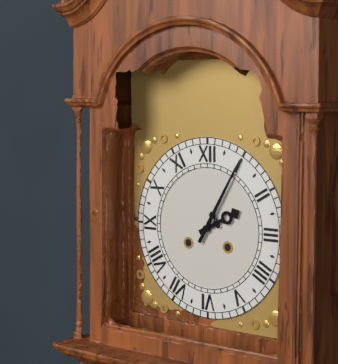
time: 2:05
